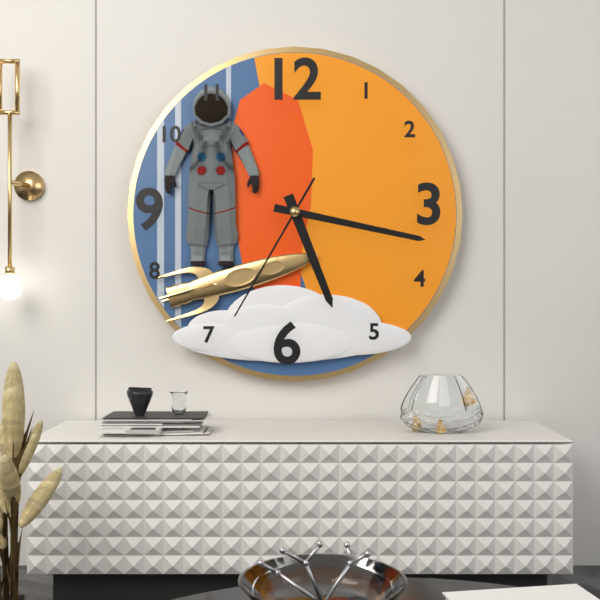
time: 5:17:35
